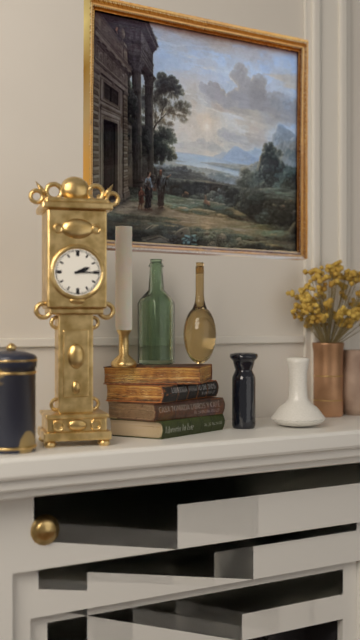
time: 2:15
